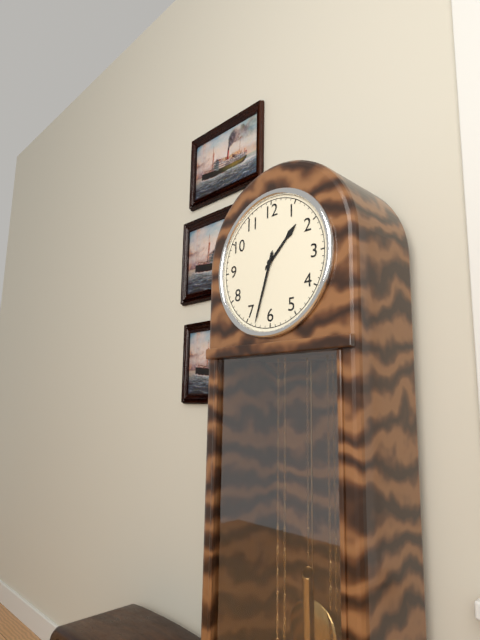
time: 1:33
